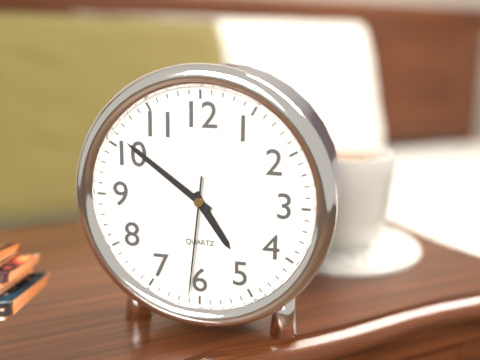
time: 4:51:31
